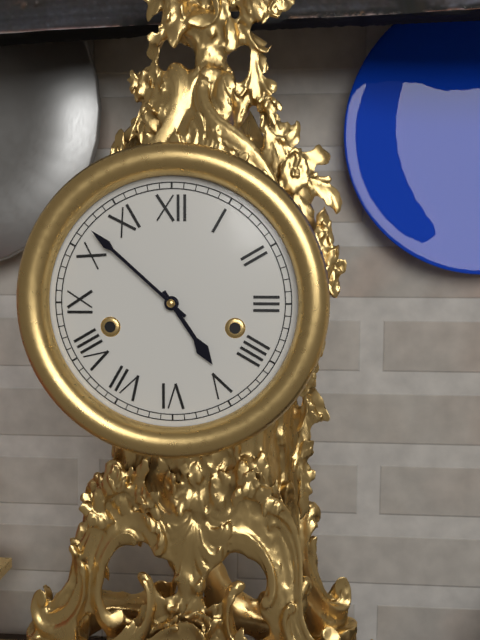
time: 4:52
